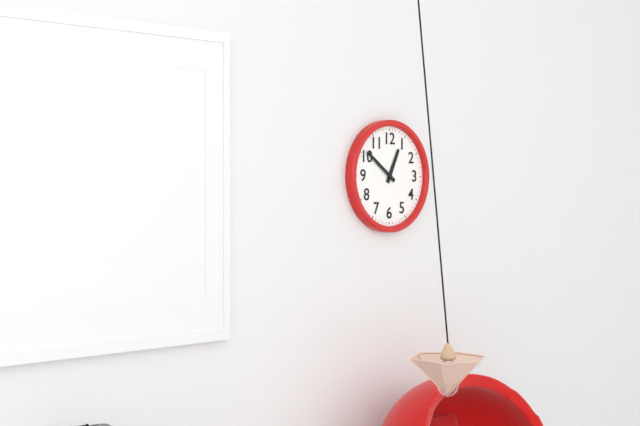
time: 12:51
